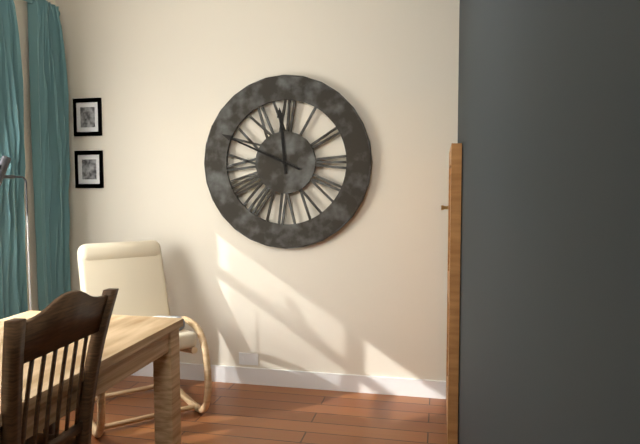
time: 11:49
